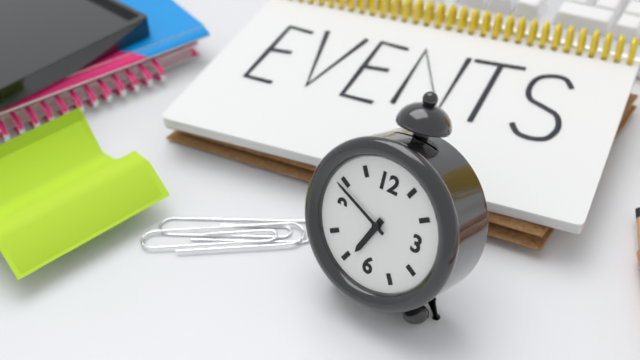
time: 6:49
